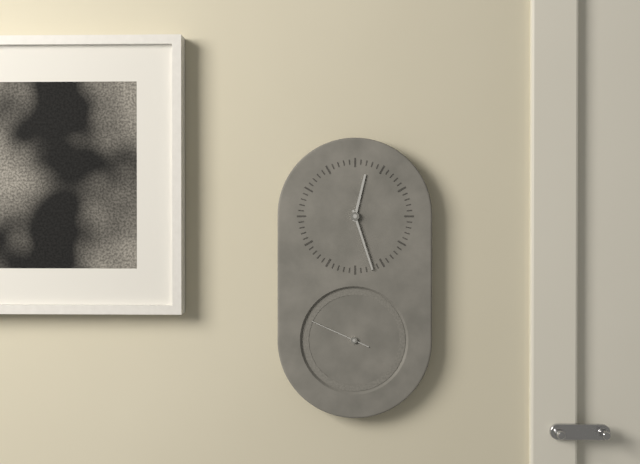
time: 12:27:49
